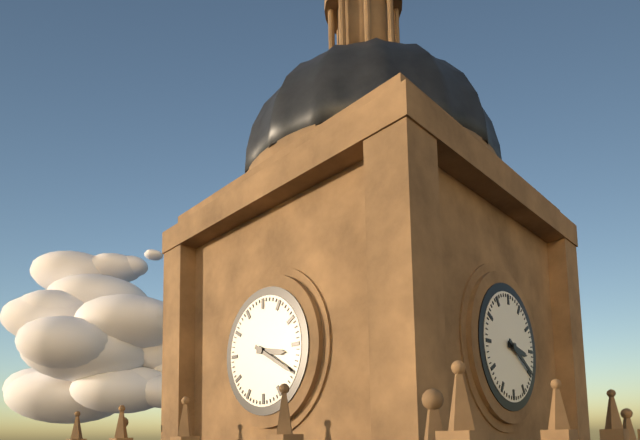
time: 3:20
